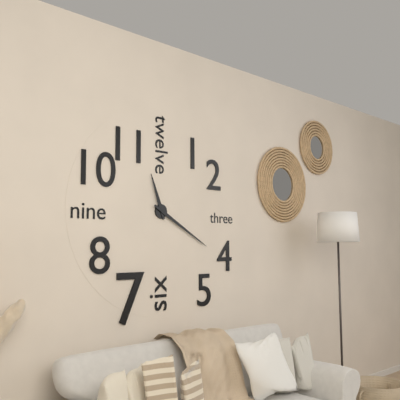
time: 11:20
